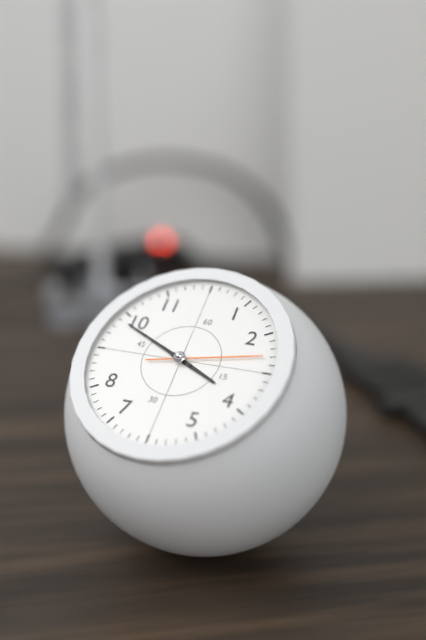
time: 3:49:13
